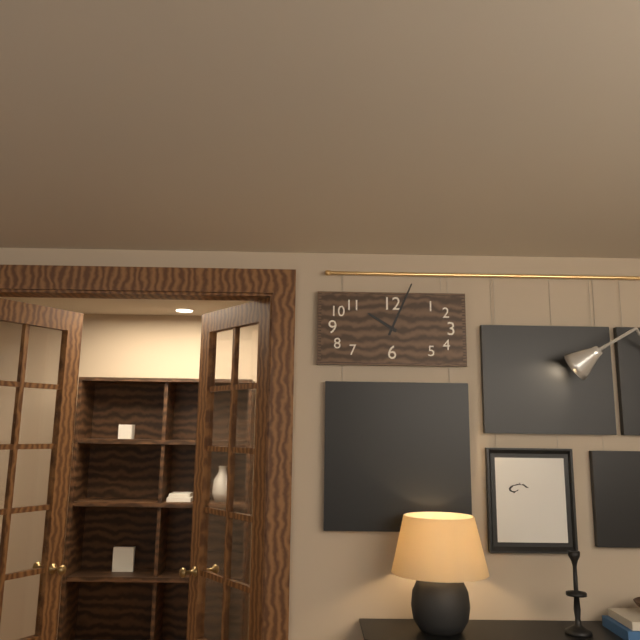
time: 10:04
